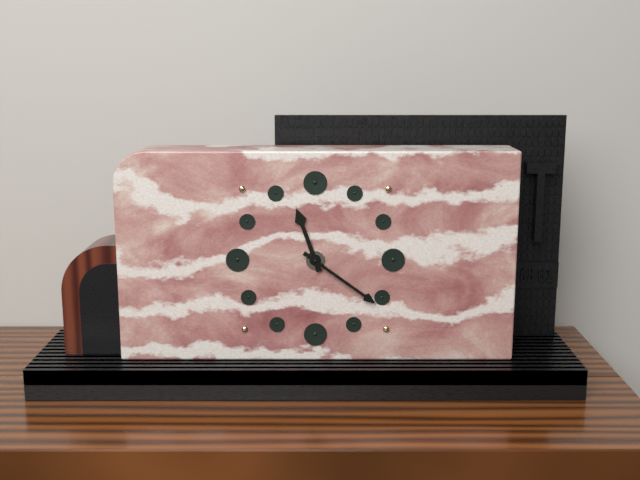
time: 11:21
